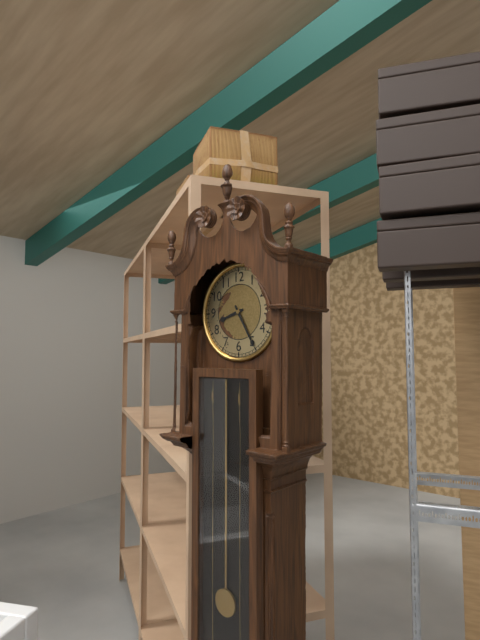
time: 8:25
